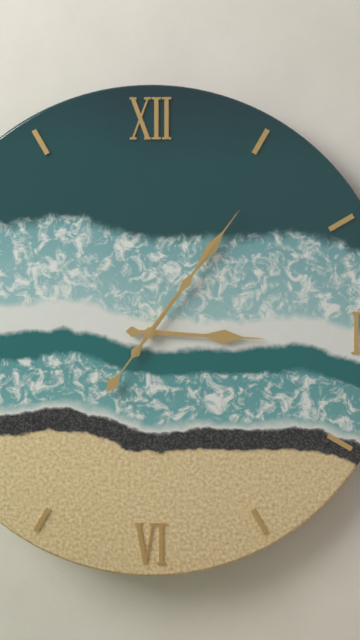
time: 3:06:06
